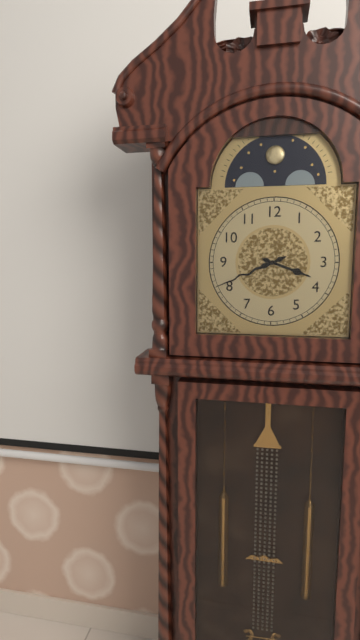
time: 3:41
